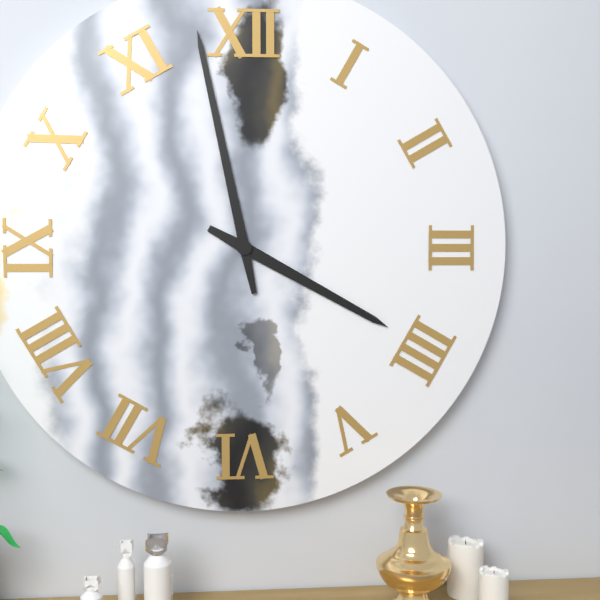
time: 3:58
